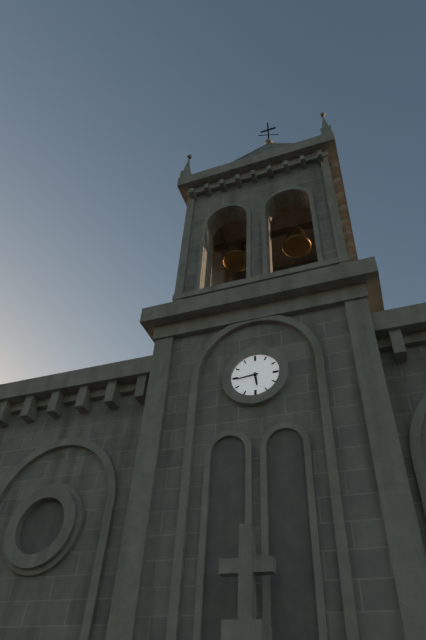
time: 5:44
